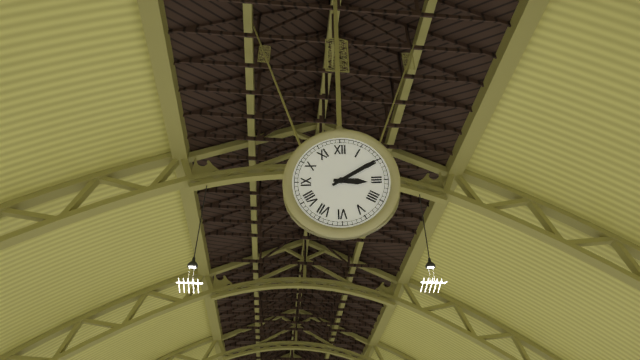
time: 3:10
